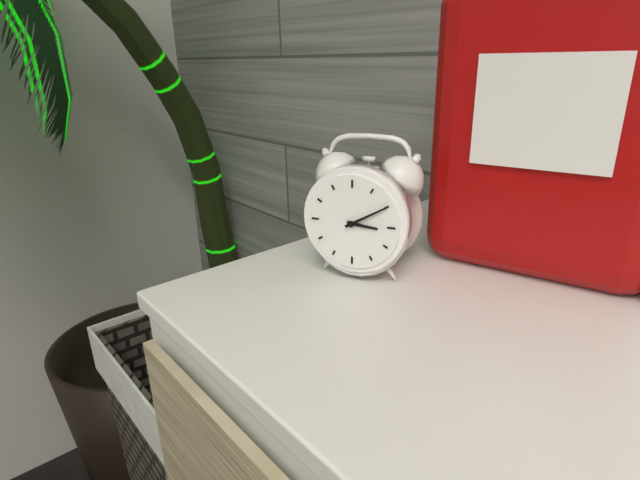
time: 3:10
